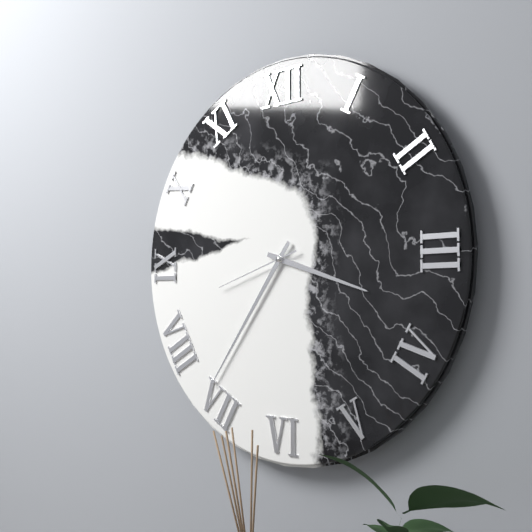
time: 3:36:42
